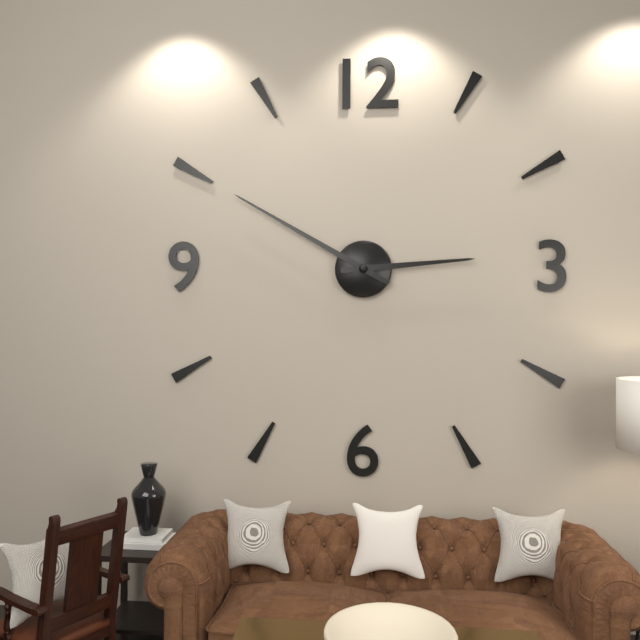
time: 2:50
